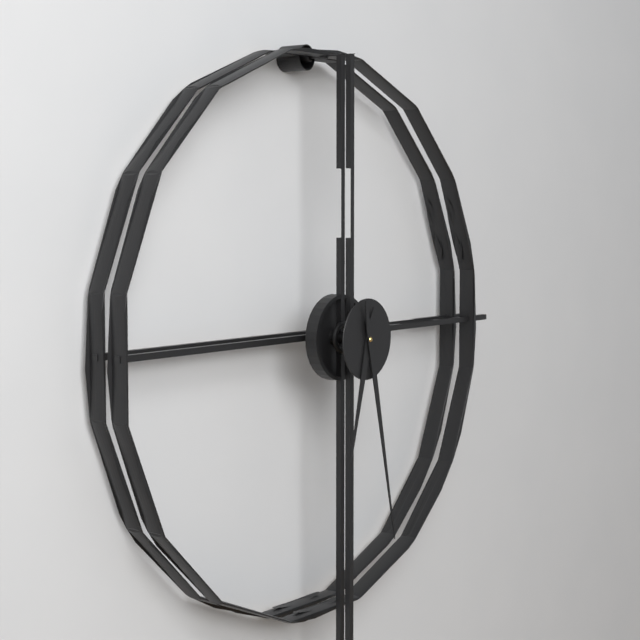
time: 6:28
